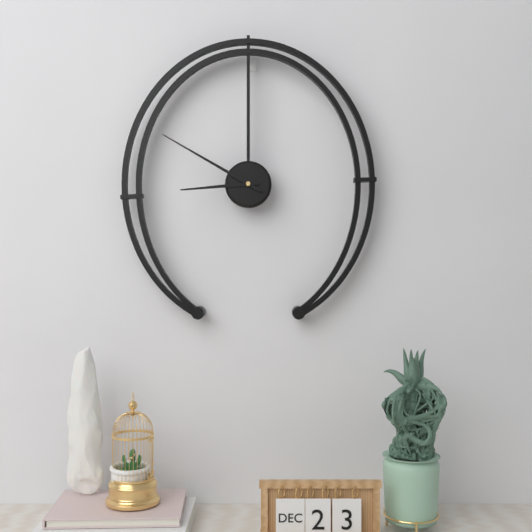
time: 8:50
